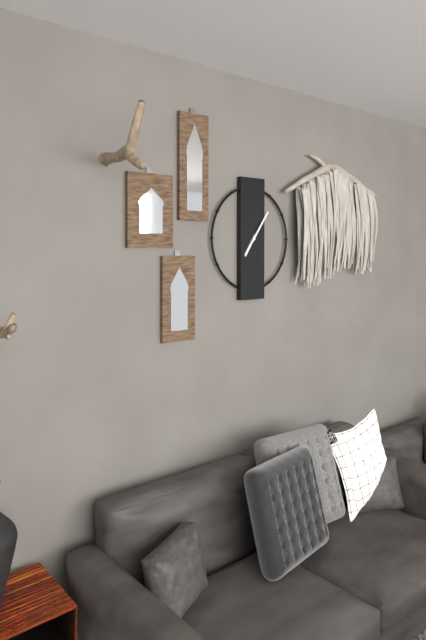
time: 7:06
